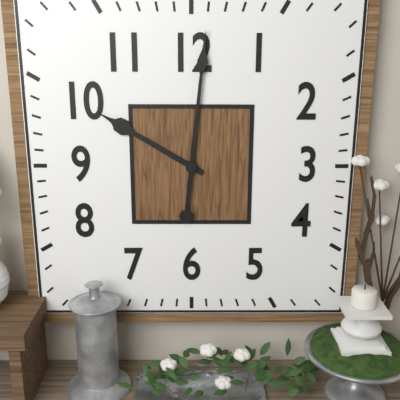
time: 10:01
